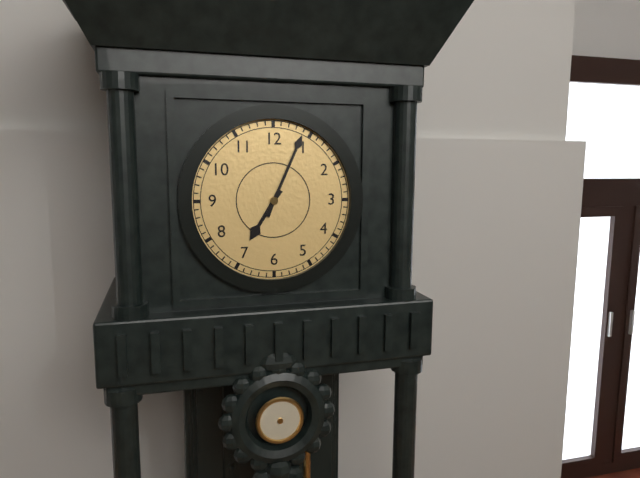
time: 7:04
